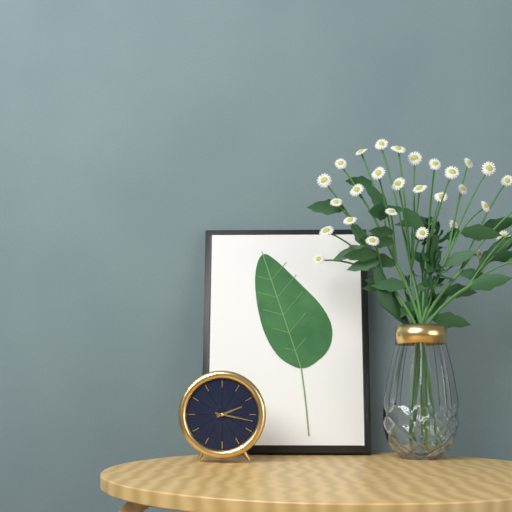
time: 2:17
